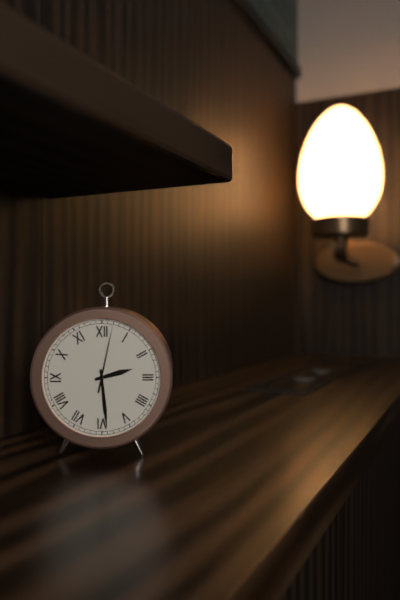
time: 2:29:02
